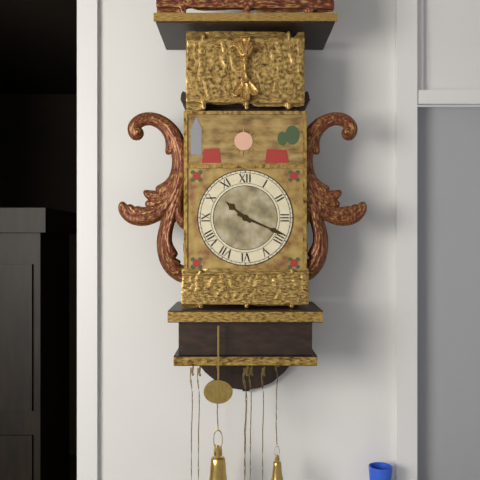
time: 10:19
